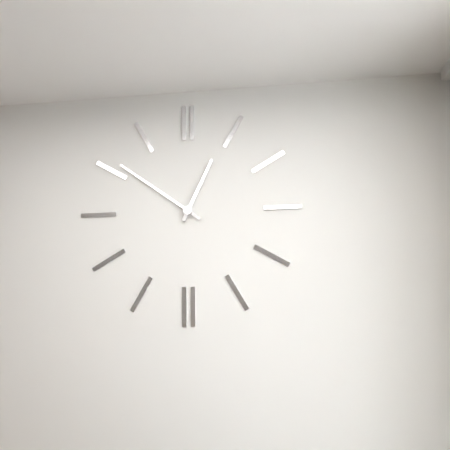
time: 12:51
